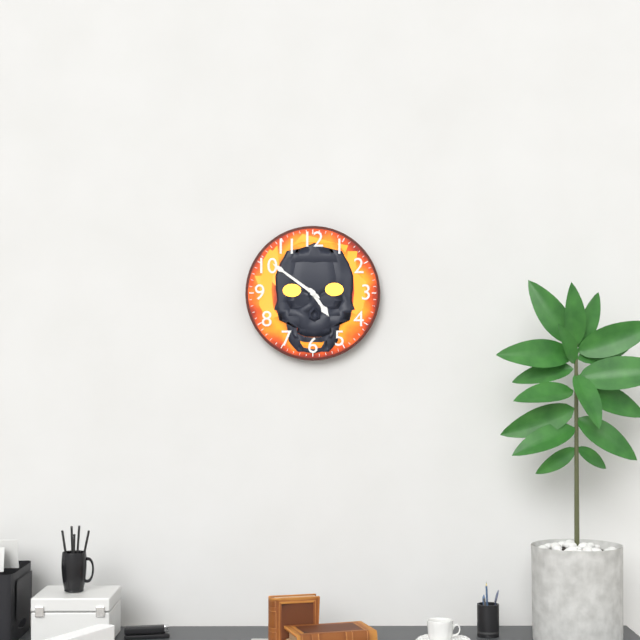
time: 4:51
